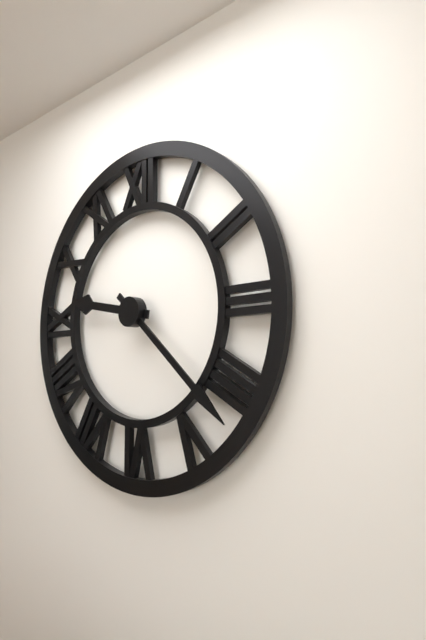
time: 9:22
